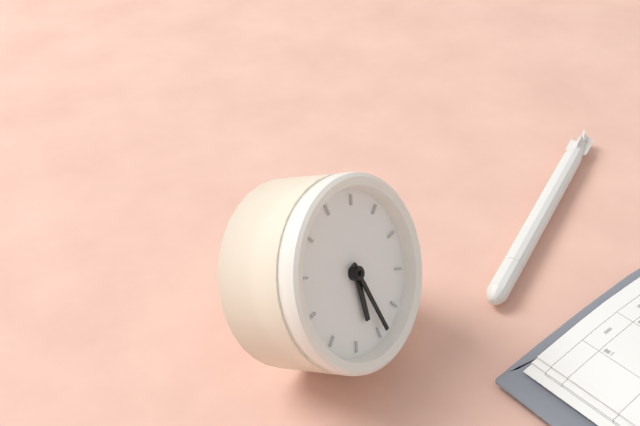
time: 5:24
